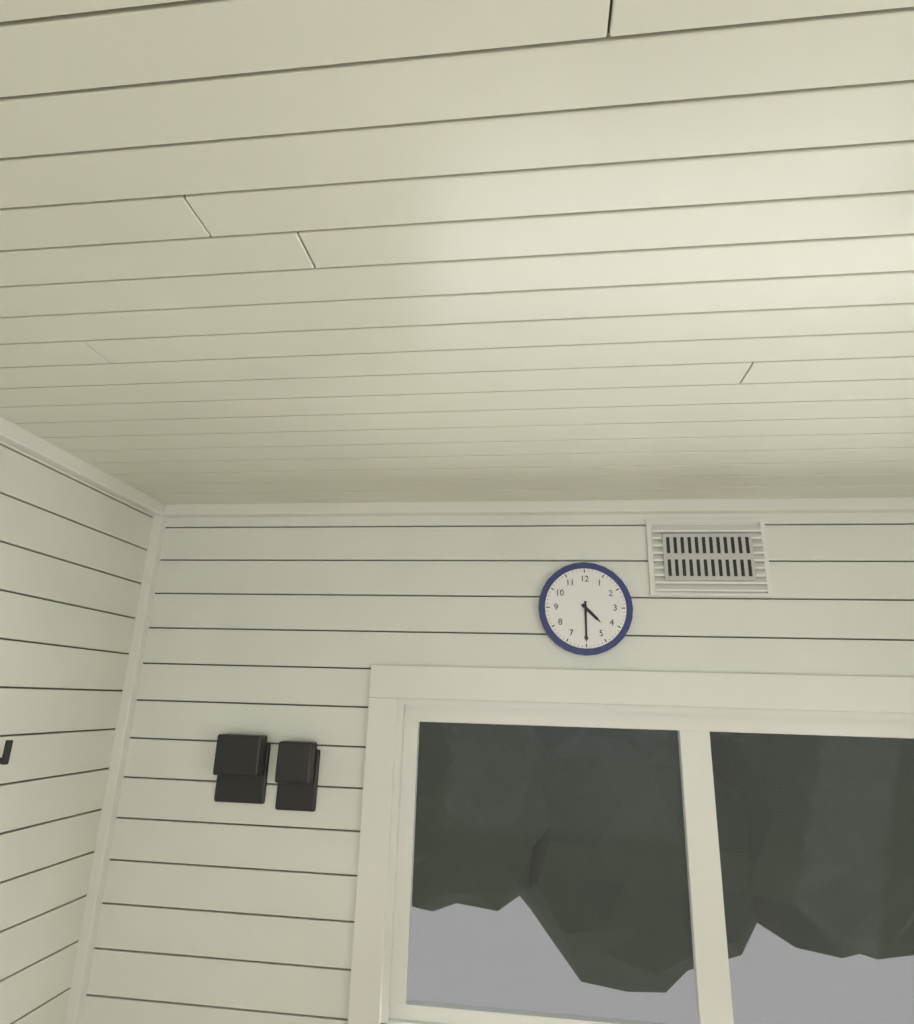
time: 4:30
